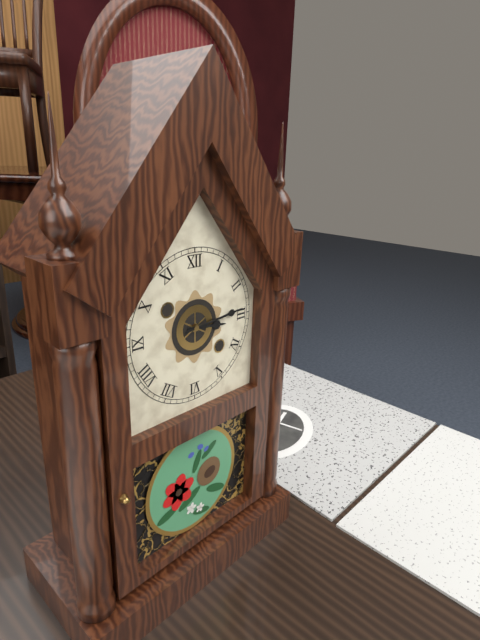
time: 3:14
